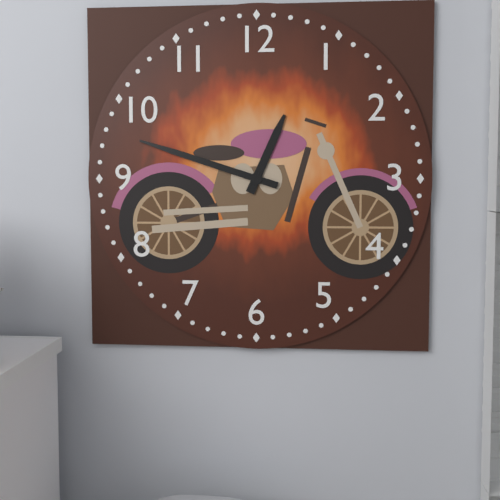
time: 12:48
